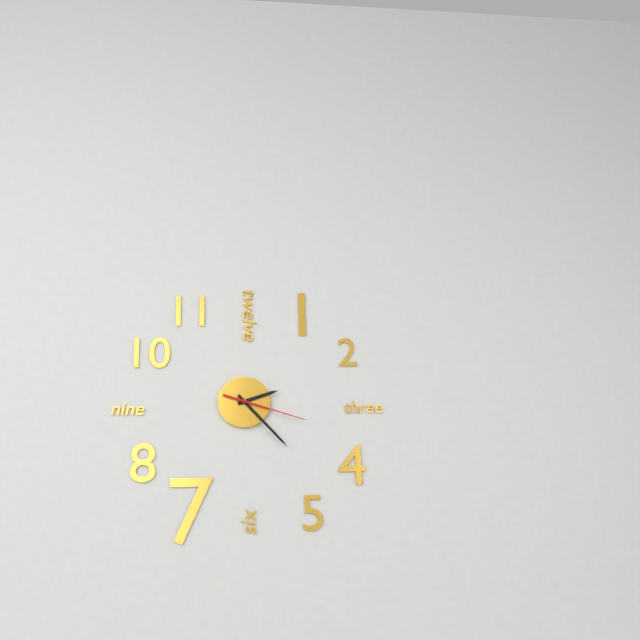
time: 2:23:18
